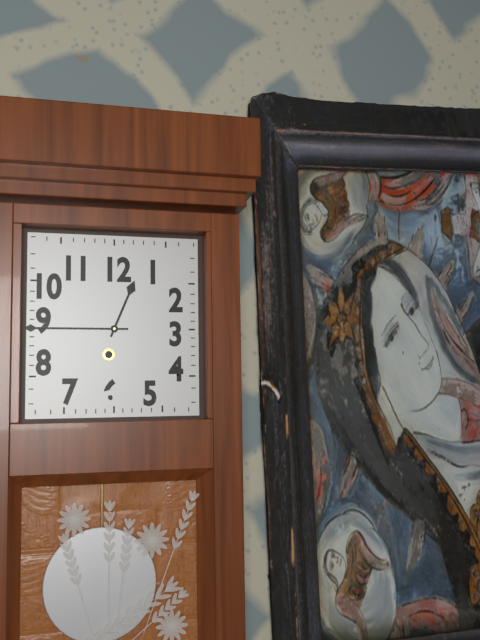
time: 12:45
